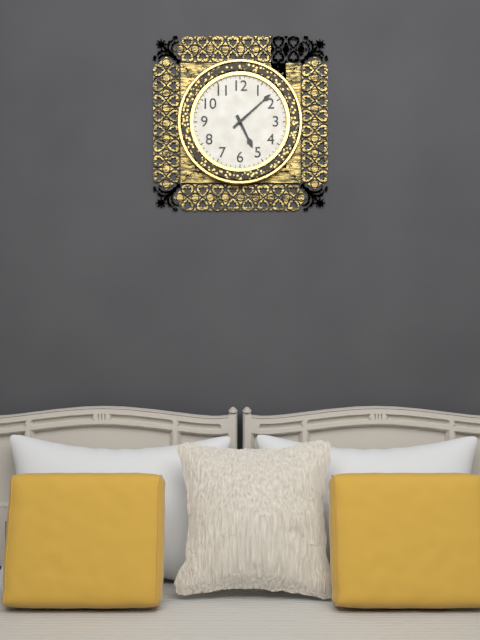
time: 5:08
